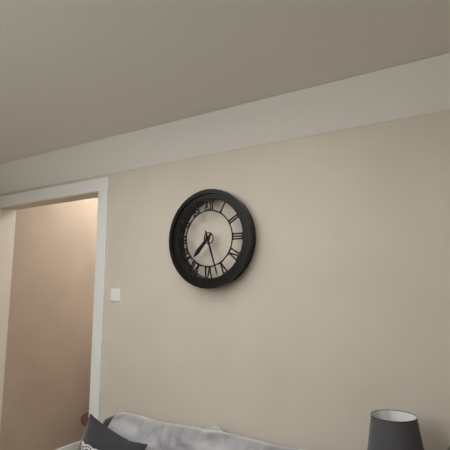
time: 7:27
